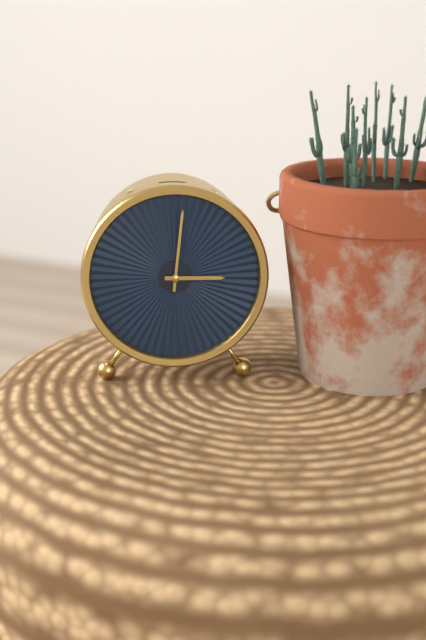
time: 3:01
